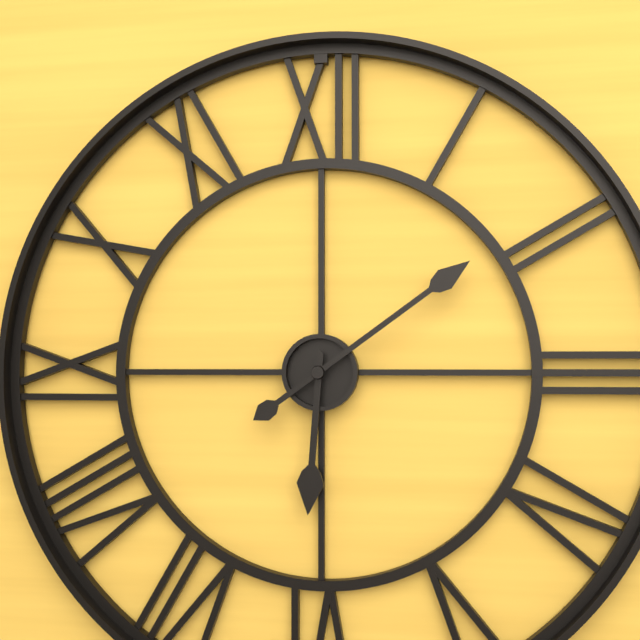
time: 6:09
